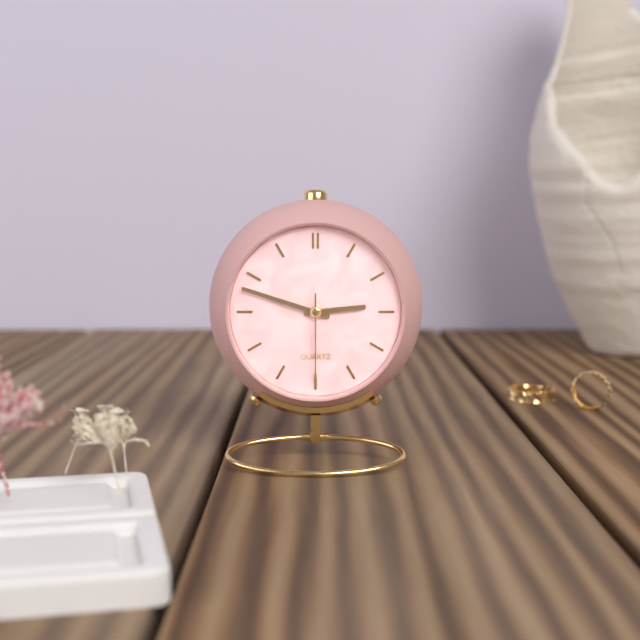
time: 2:48:30
